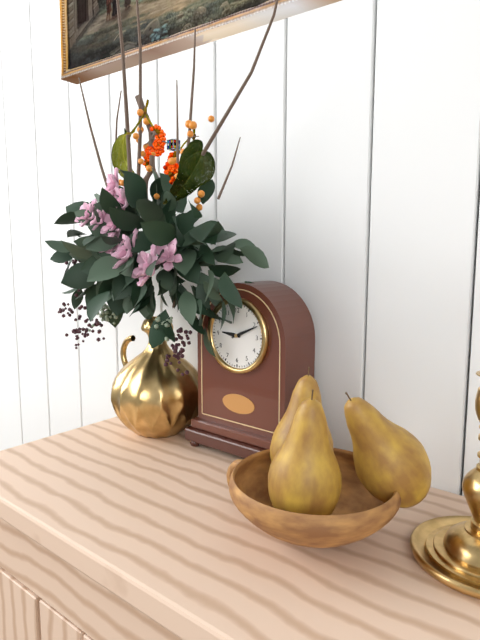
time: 9:11
